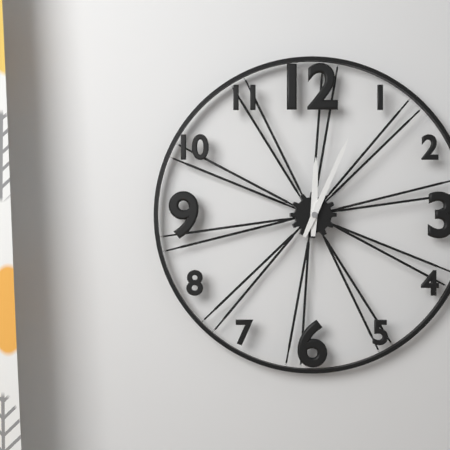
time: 12:04
